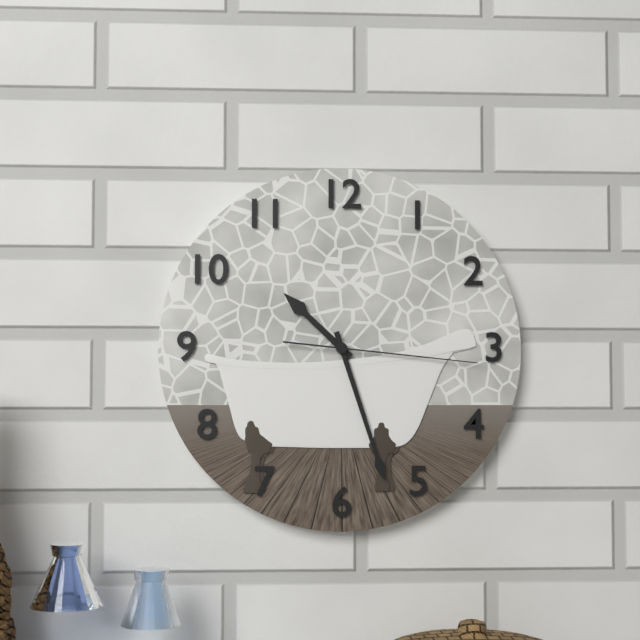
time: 10:27:16
